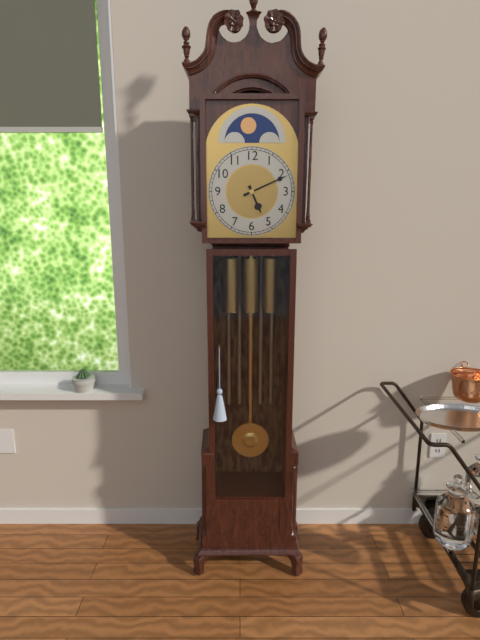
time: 5:11
